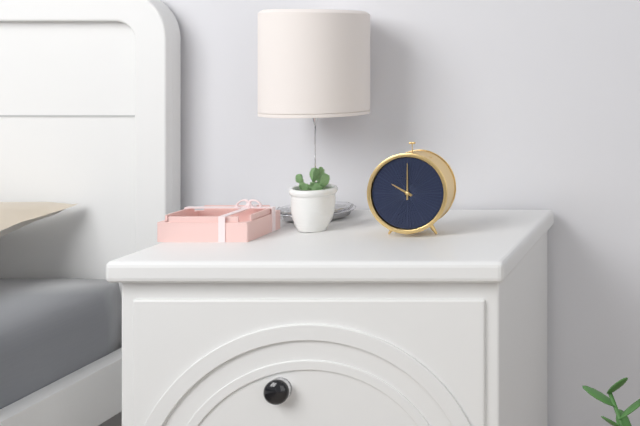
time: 10:00
